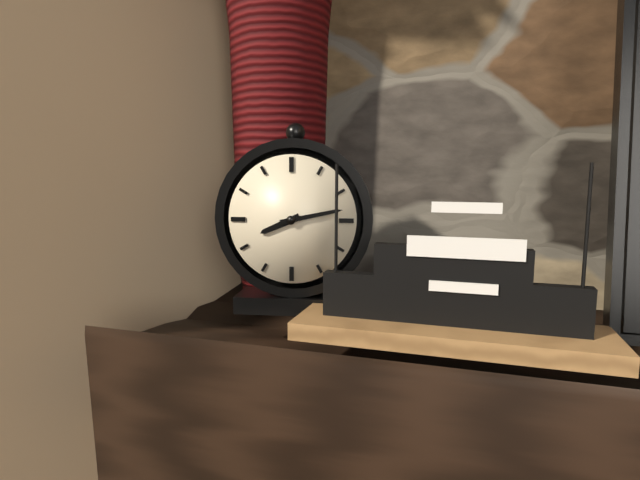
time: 8:13
